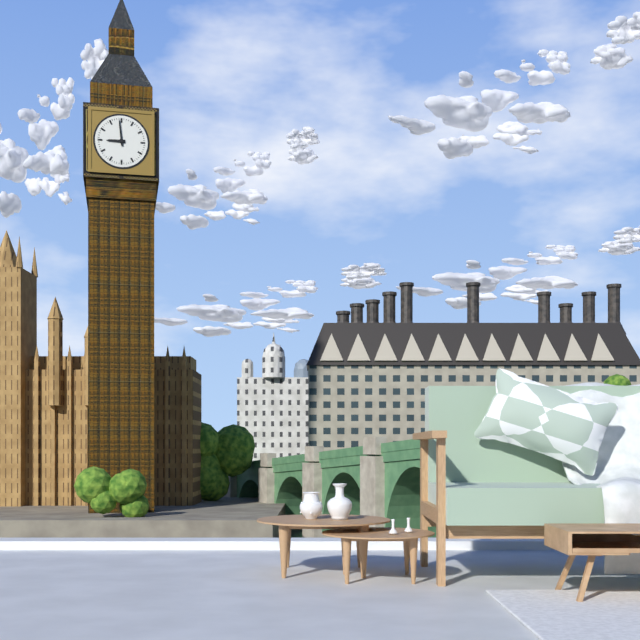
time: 8:59
